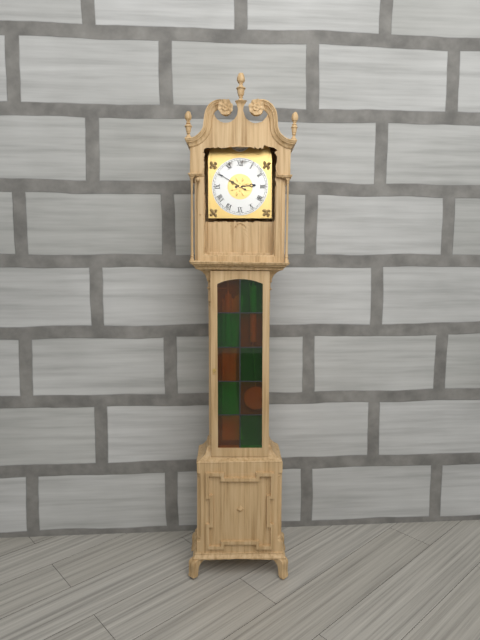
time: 2:50
